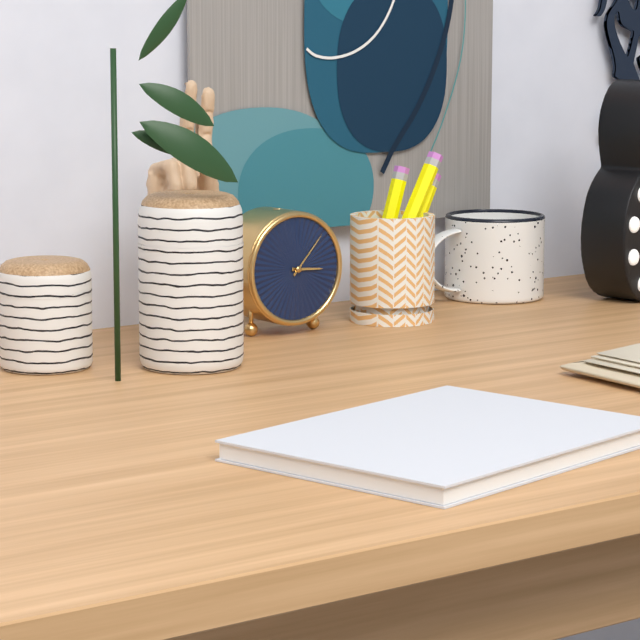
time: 3:07
